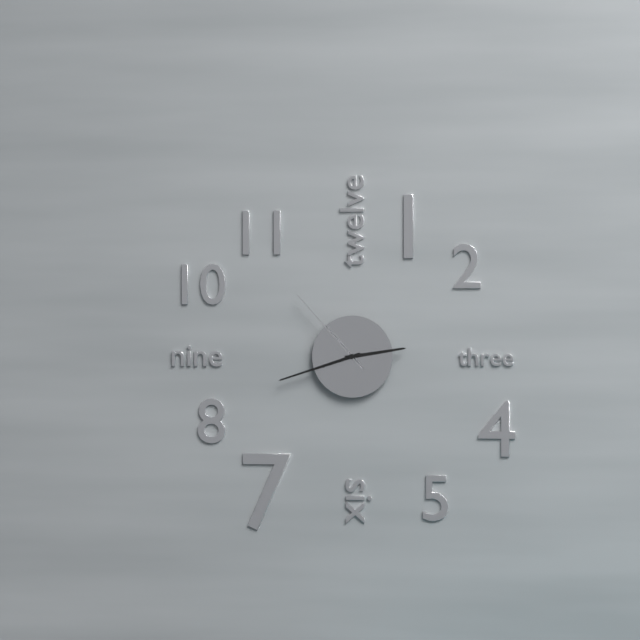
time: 2:42:53
